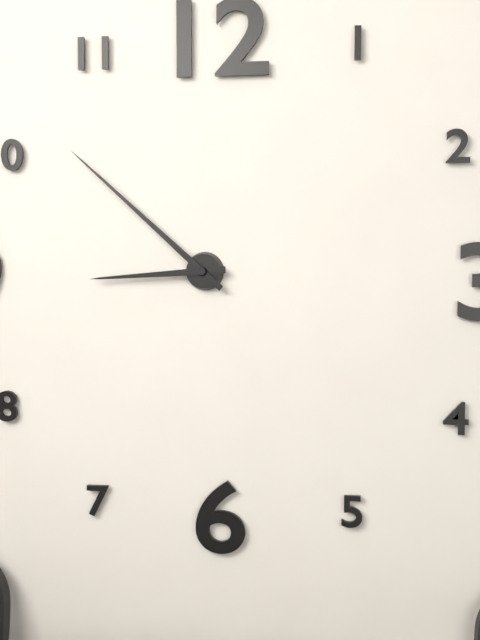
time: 8:52
